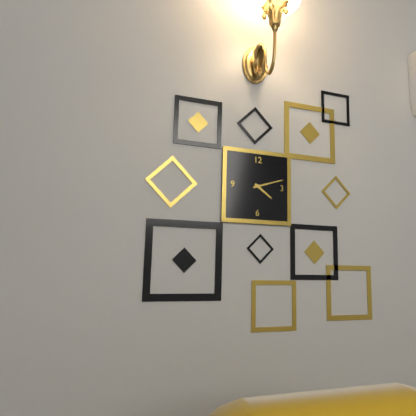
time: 4:12
